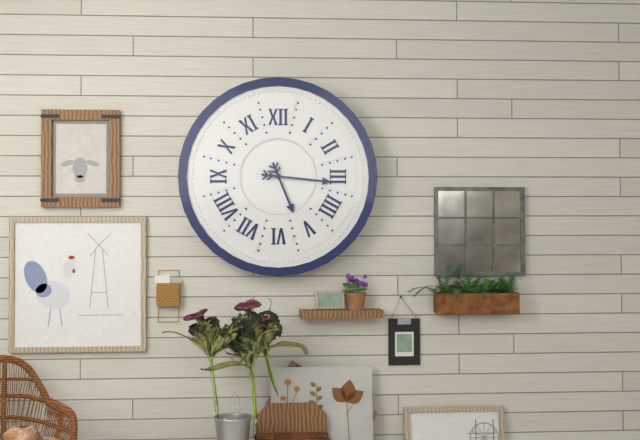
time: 5:16
